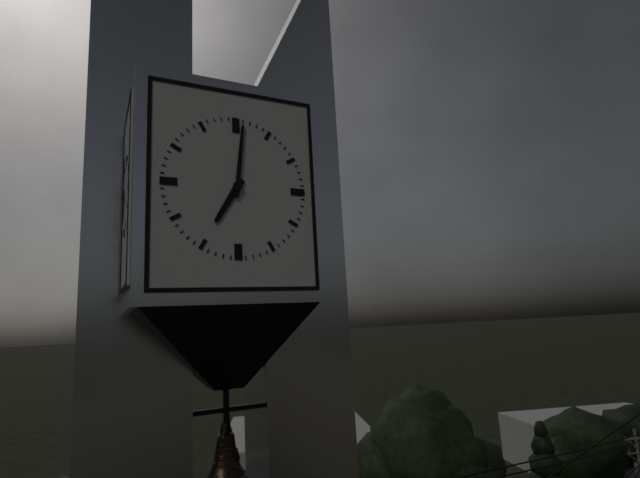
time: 7:01
